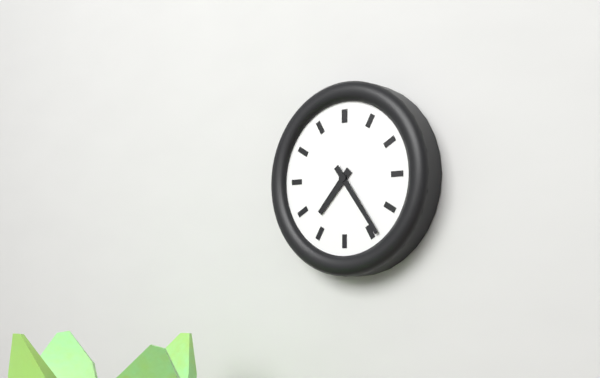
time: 7:24
